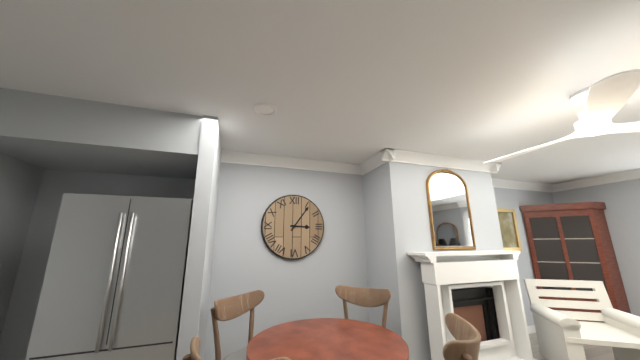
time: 3:06
